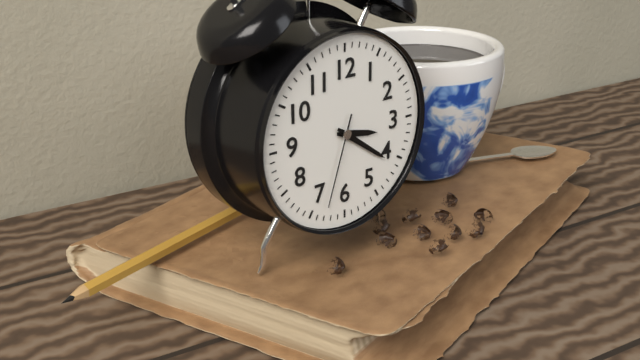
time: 3:21:33
